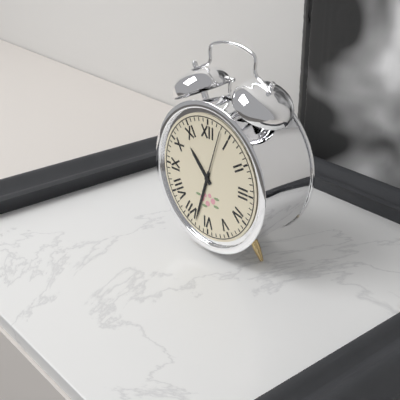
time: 10:33:03
